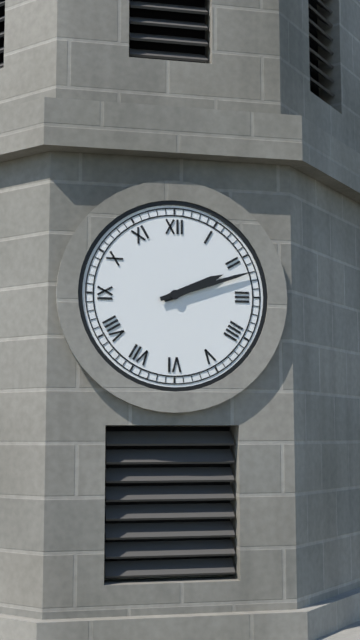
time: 2:12
